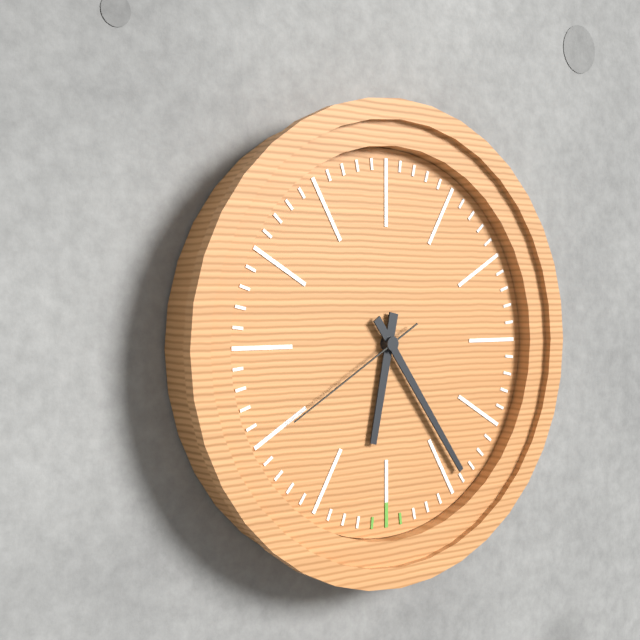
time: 6:24:40
